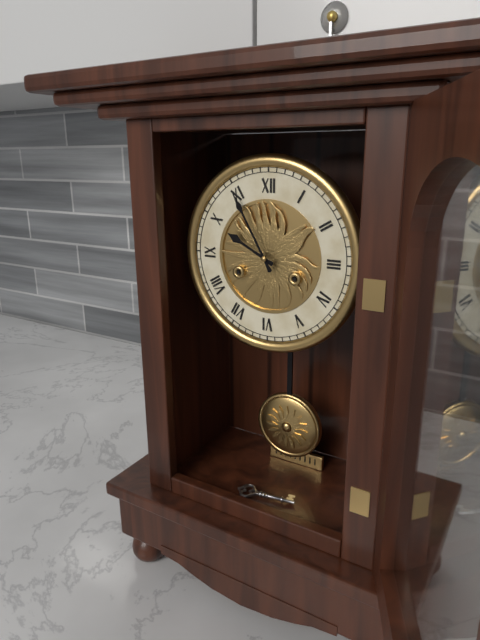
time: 9:55
